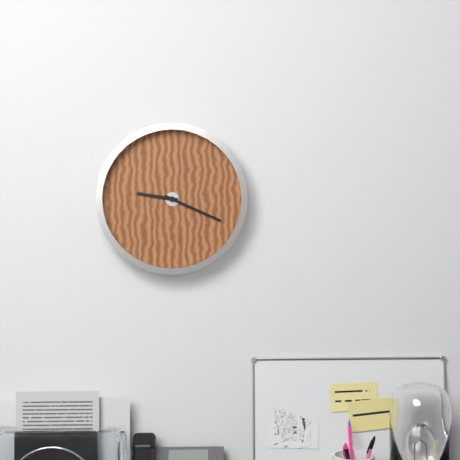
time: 9:19
